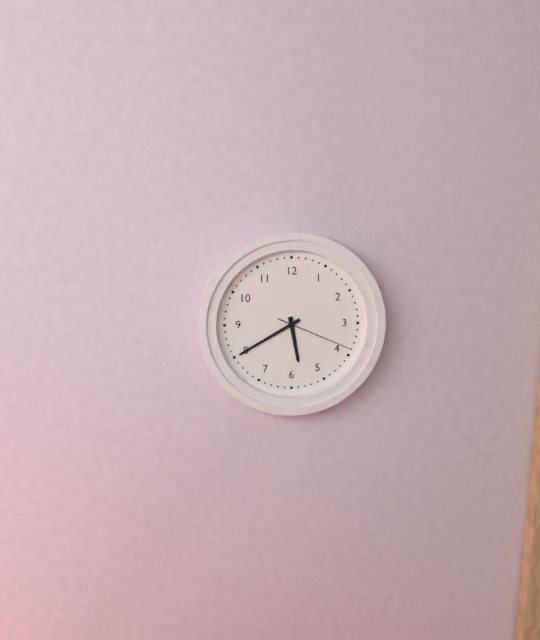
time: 5:40:19
